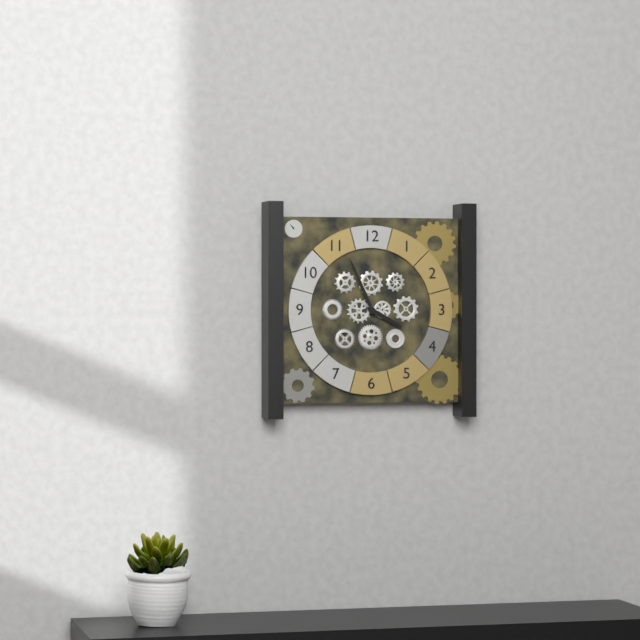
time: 3:56
